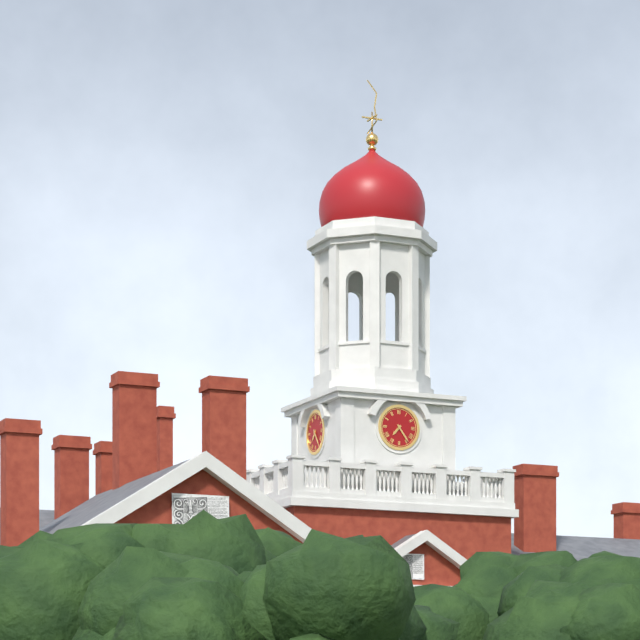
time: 7:24
